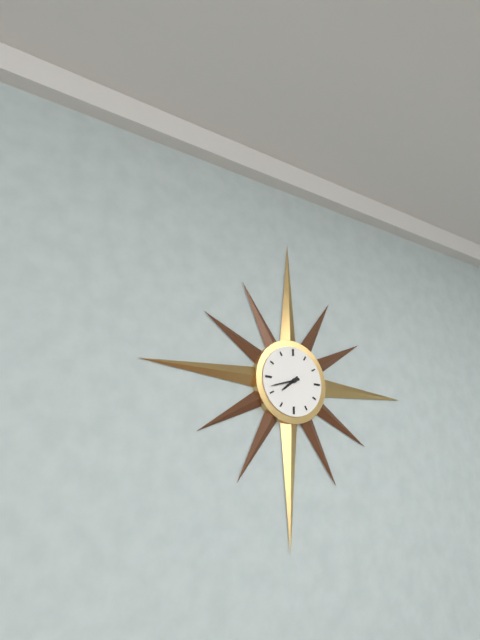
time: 7:42
